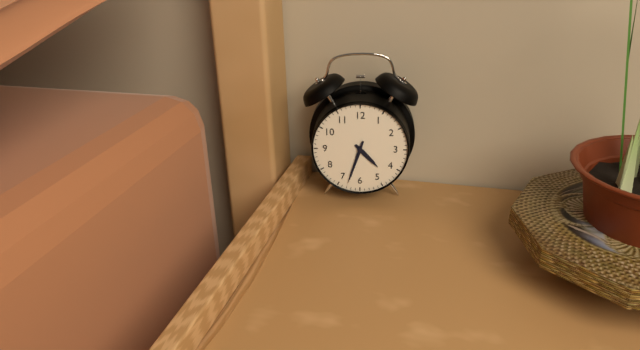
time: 4:33
